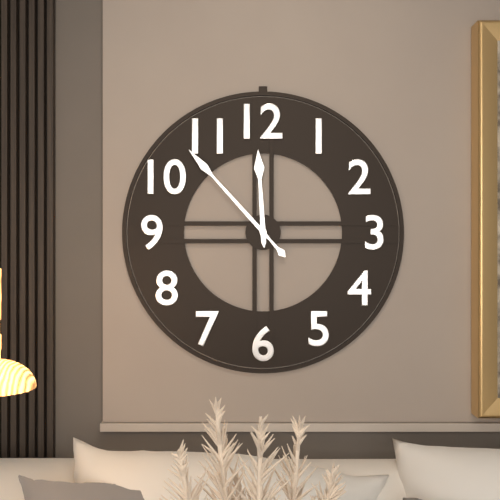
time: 11:53
